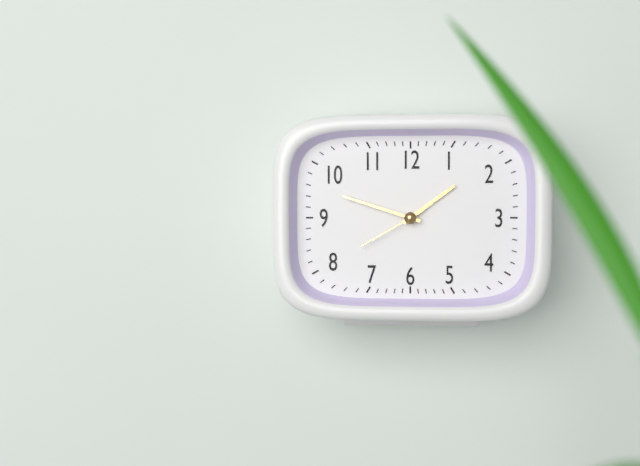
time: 1:48:40
